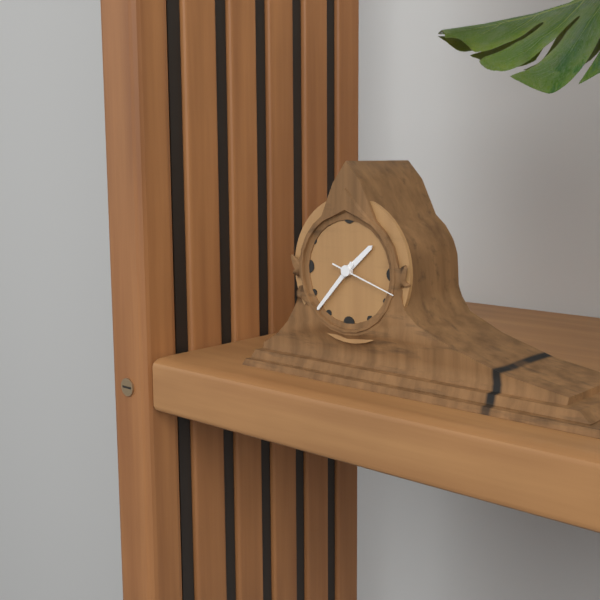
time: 1:37:18
